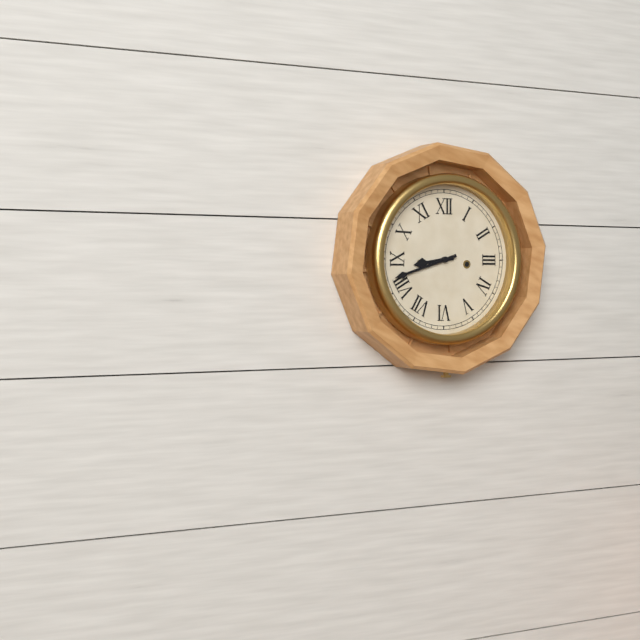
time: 8:42
